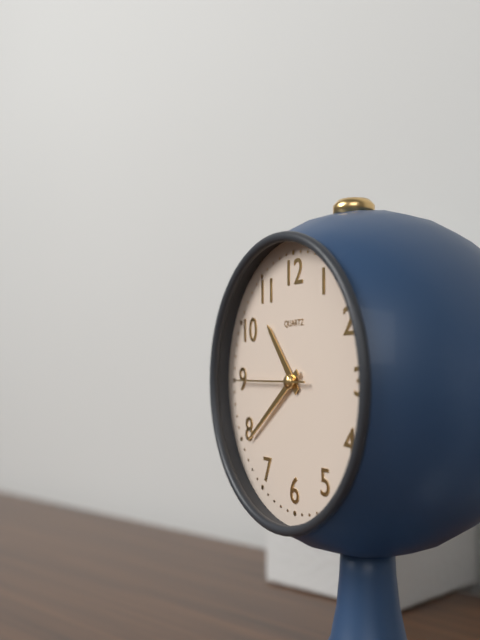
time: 10:39:45
